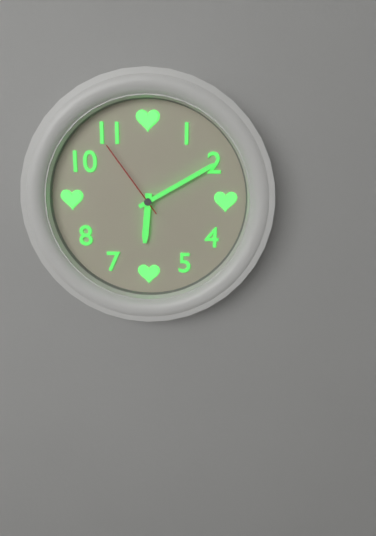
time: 6:10:54
